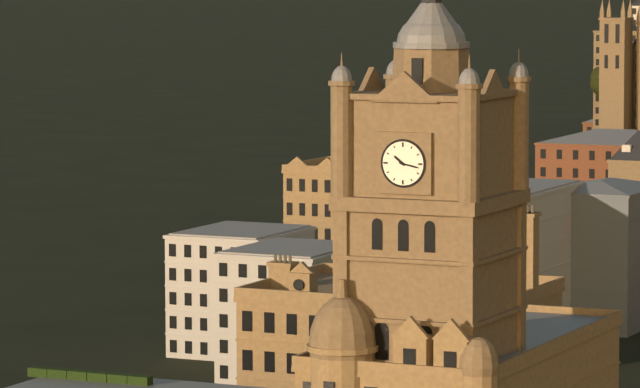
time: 10:17
